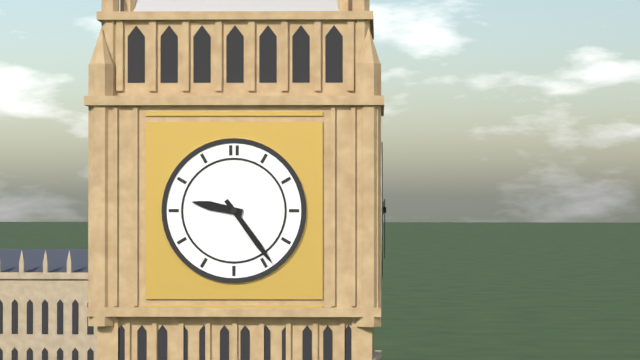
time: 9:24
